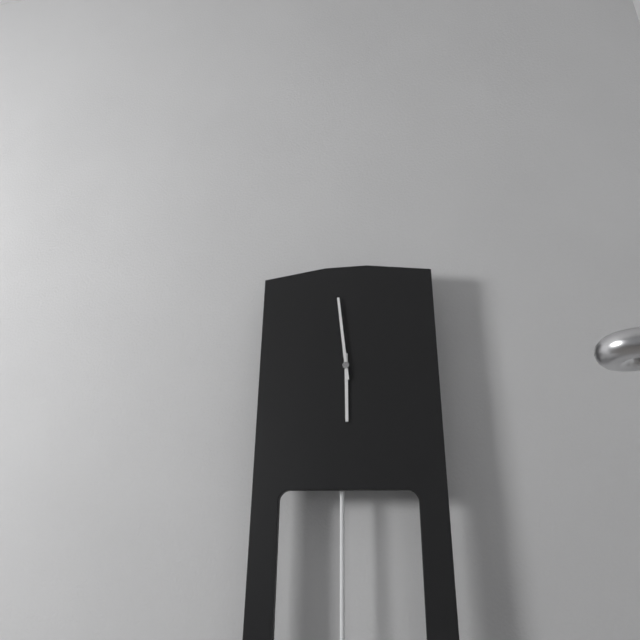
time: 5:59
